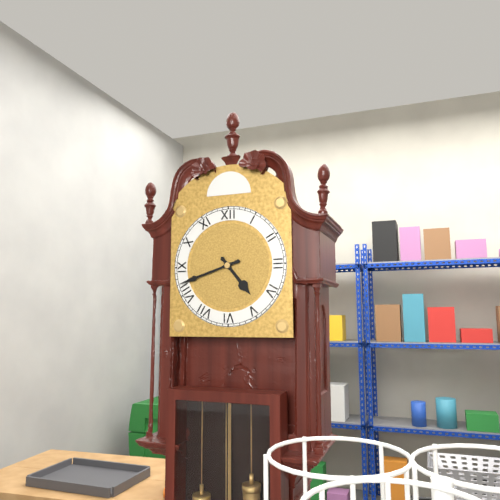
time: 4:42
